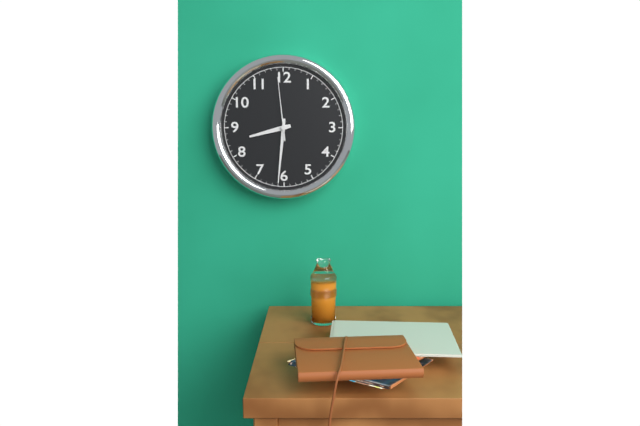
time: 8:31:59
